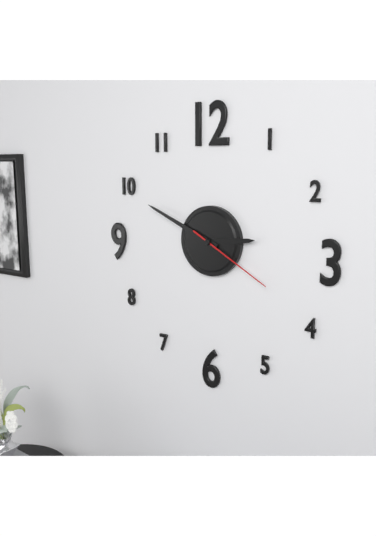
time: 2:49:20
